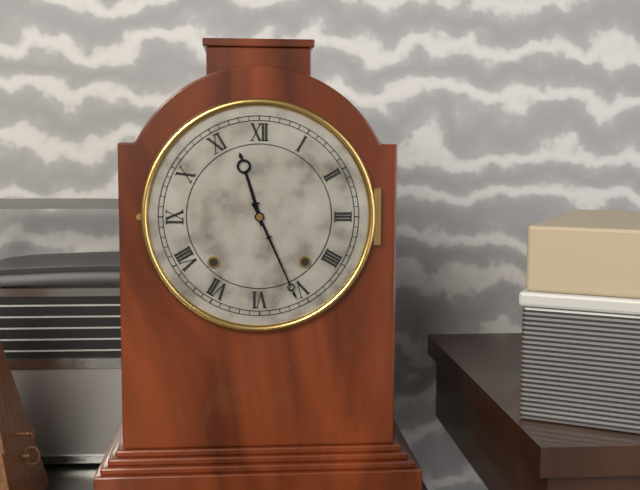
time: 11:26
